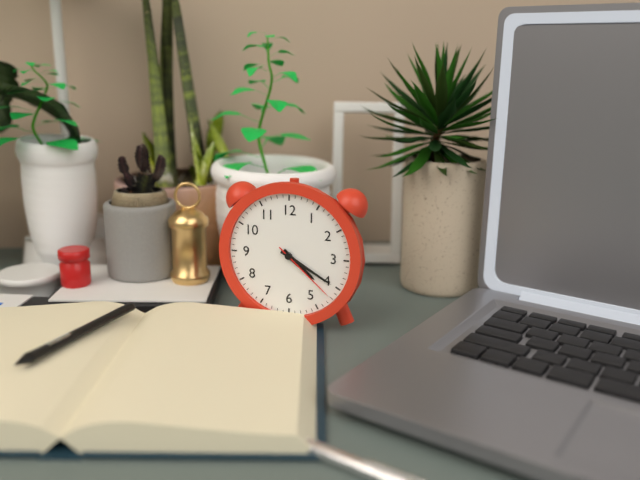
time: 4:20:22
